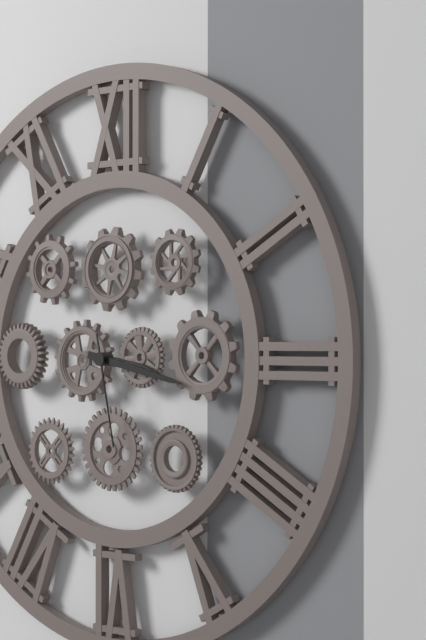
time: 3:17:28
